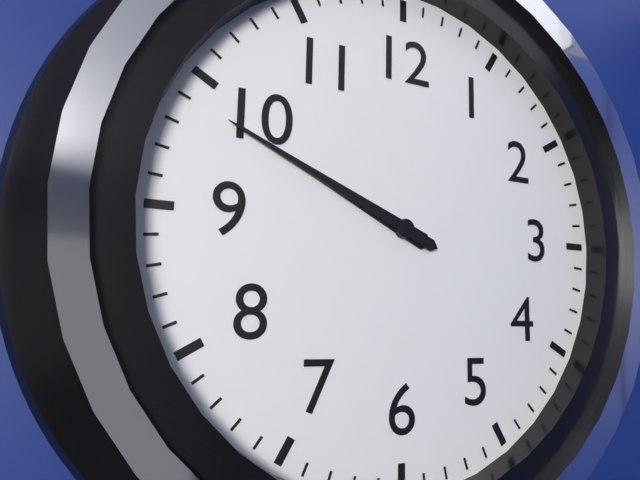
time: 9:49
